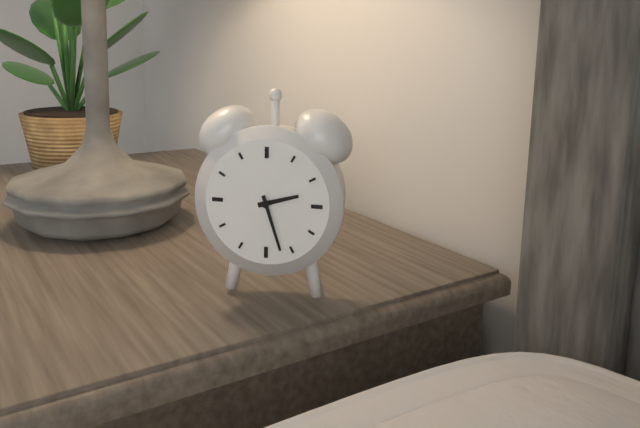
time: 2:27
